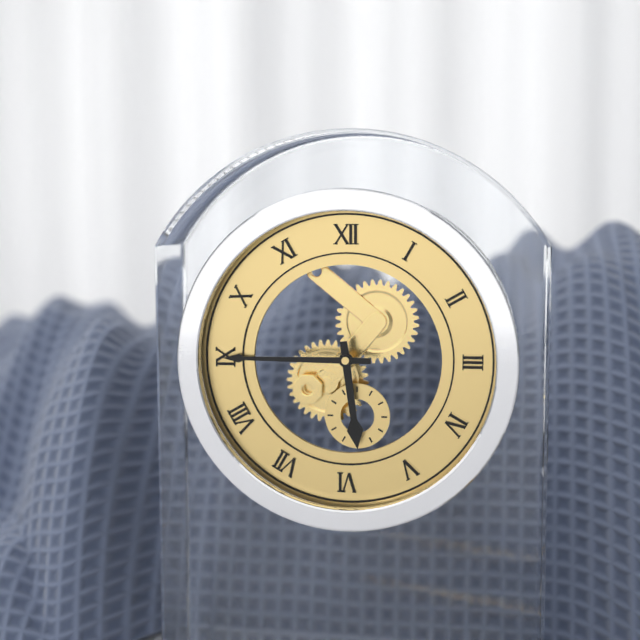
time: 5:45
